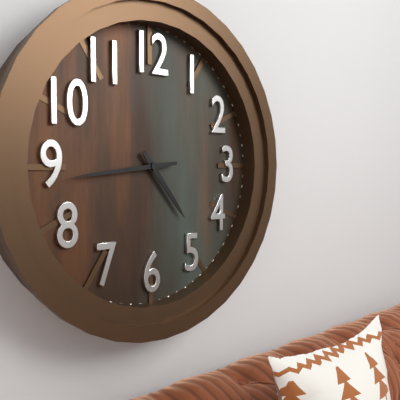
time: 4:44
